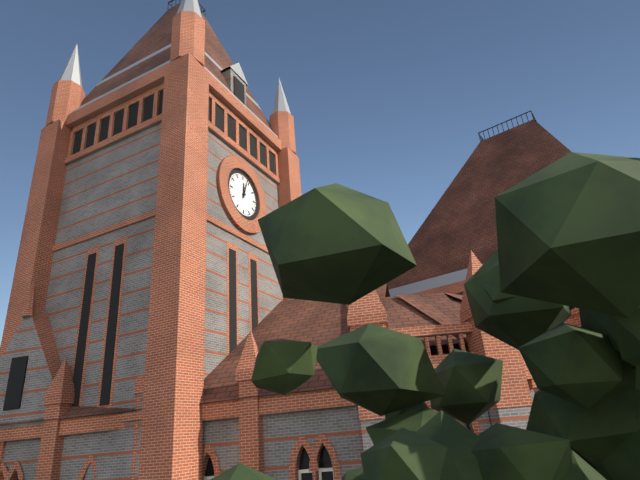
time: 12:03
